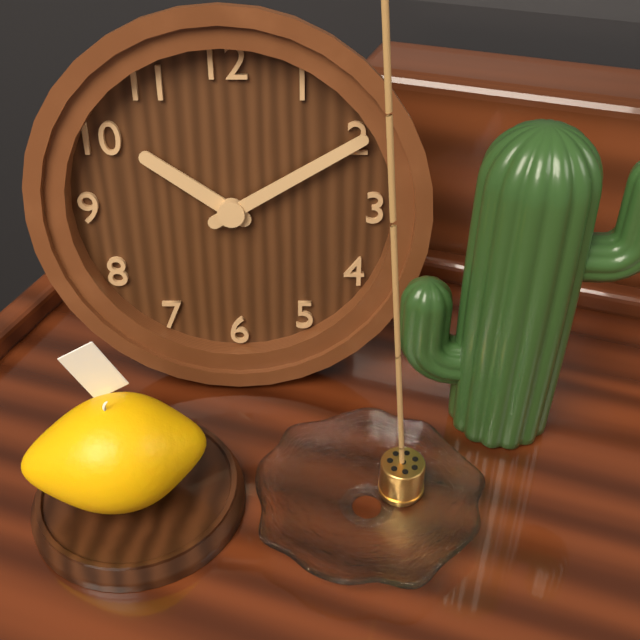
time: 10:10
